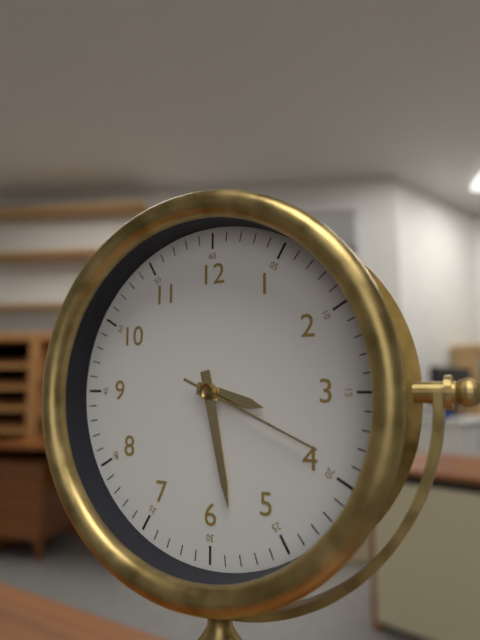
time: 3:28:19
